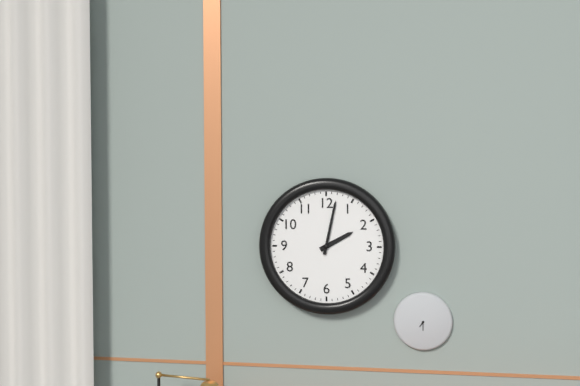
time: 2:02
